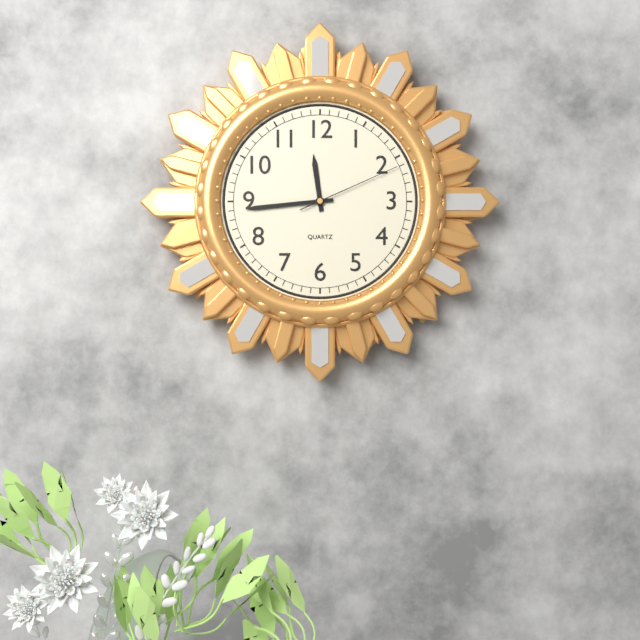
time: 11:44:11
